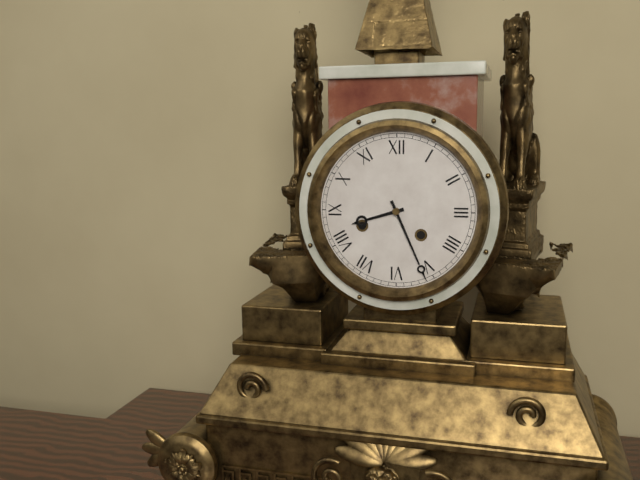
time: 8:26
